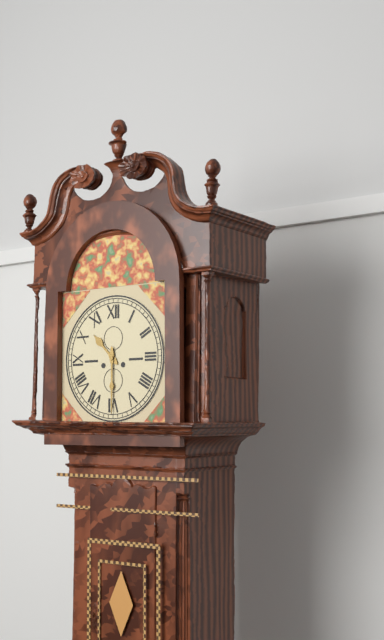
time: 10:30
